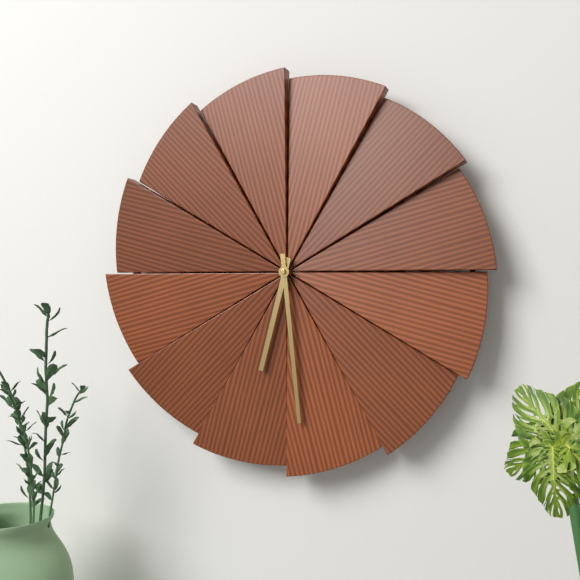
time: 6:29
